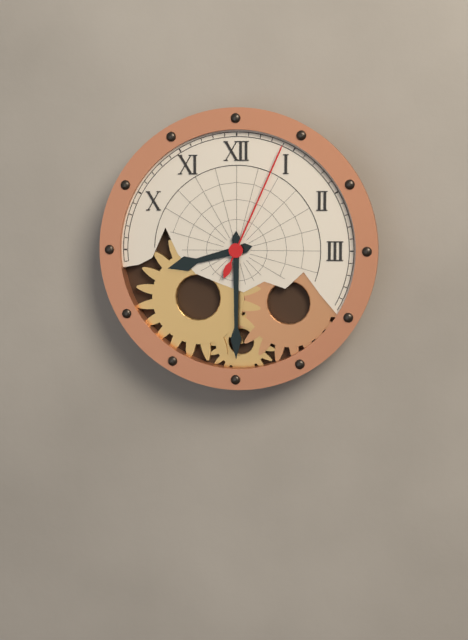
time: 8:30:04
